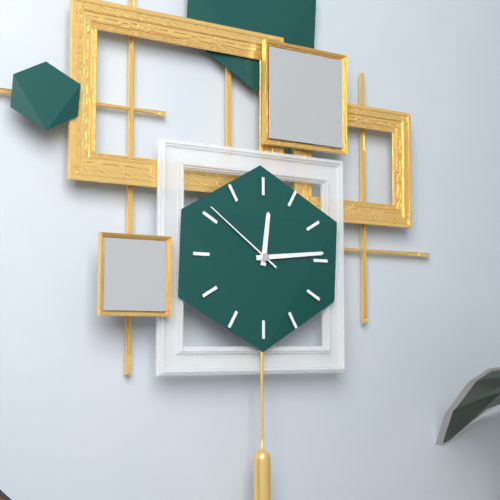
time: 12:14:51
